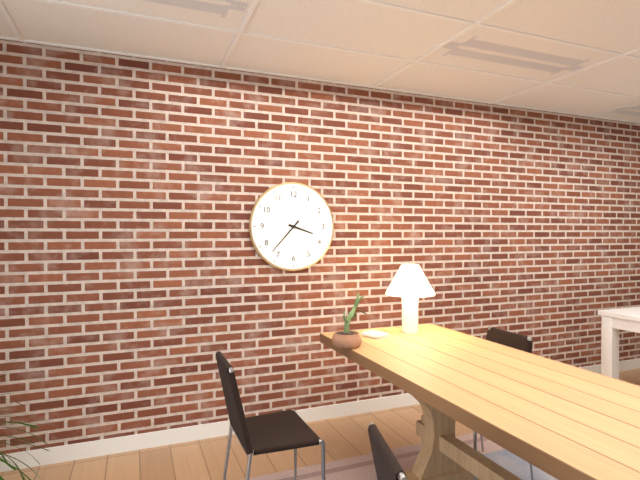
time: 3:37
